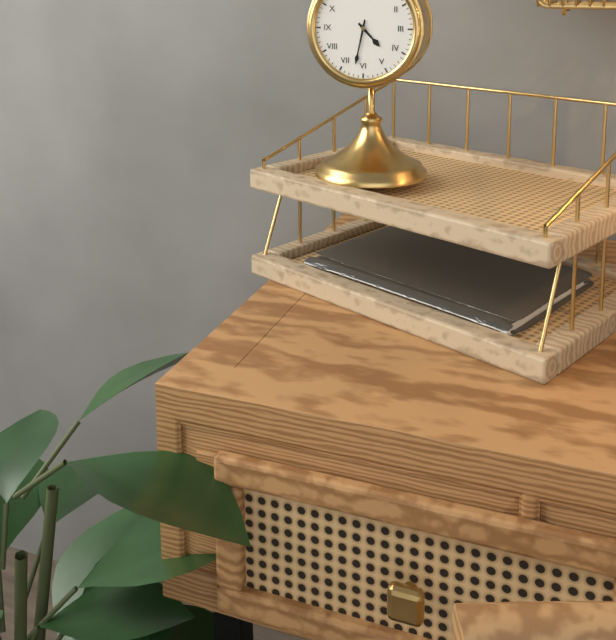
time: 4:32
